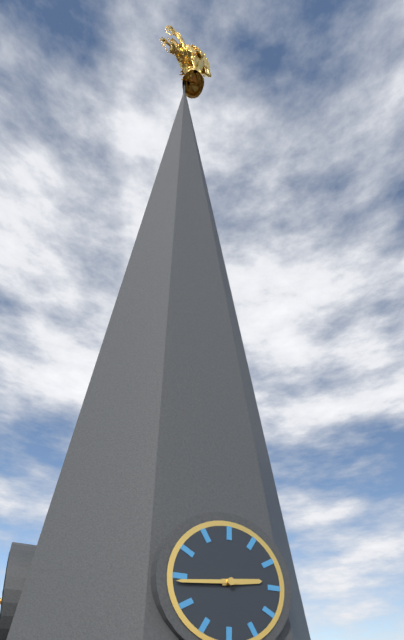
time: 2:44
